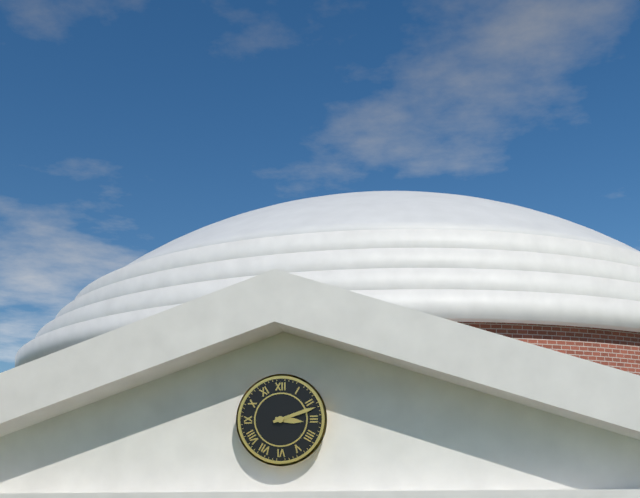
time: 3:12
